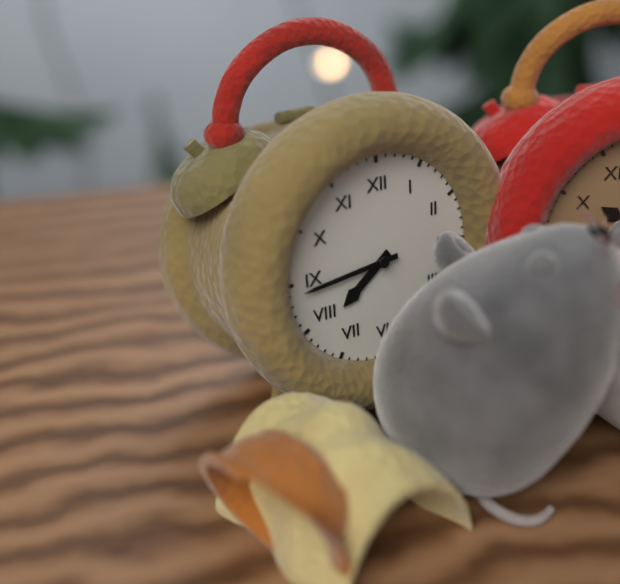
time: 7:44
